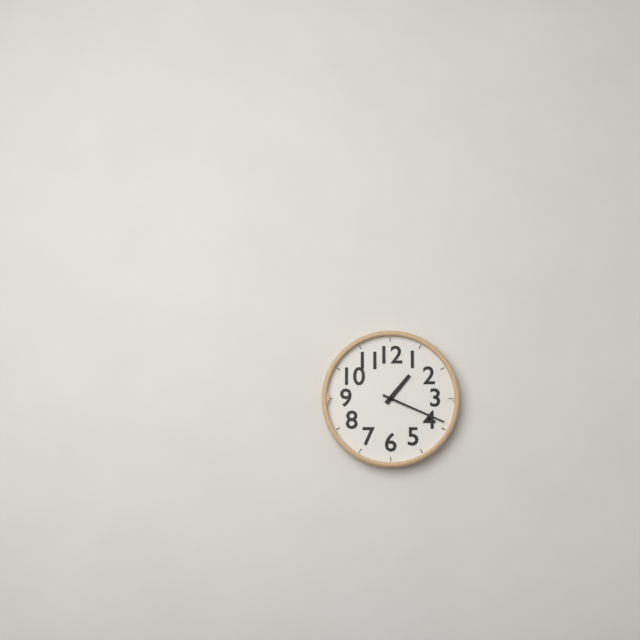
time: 1:19
